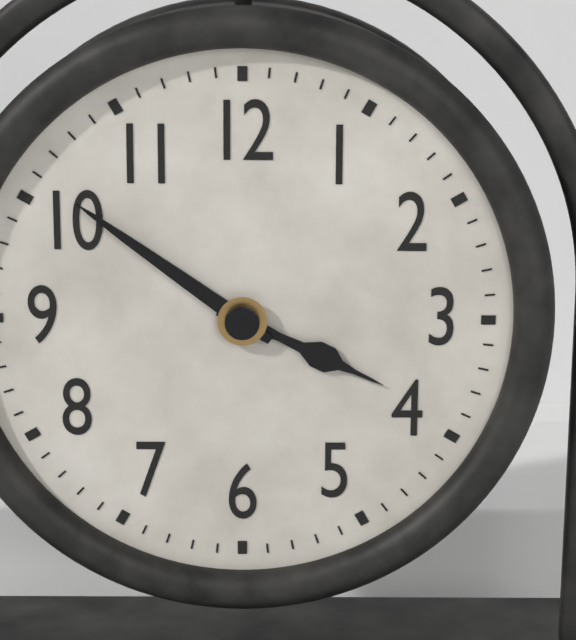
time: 3:51
